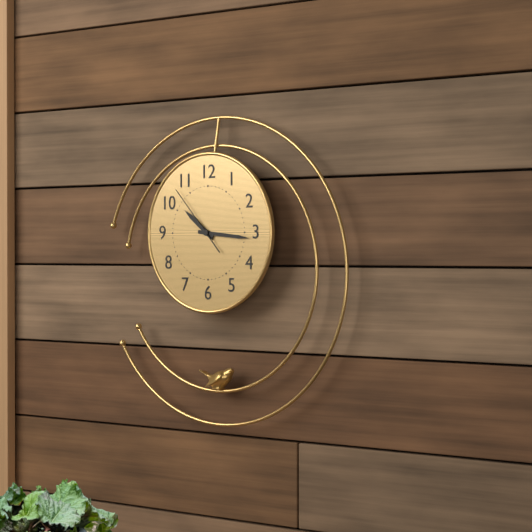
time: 10:16:53
